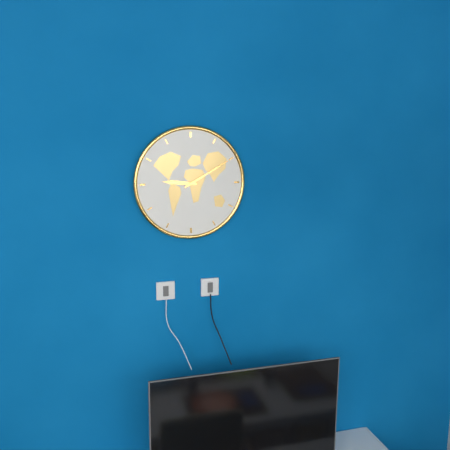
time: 9:10
